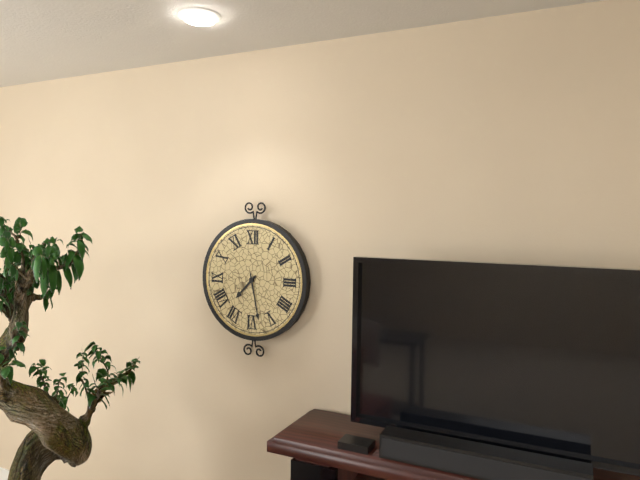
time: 7:28
